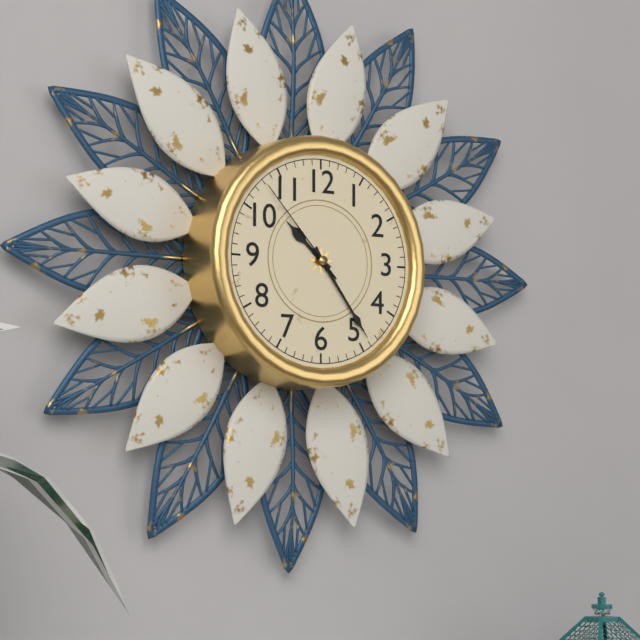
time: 10:24:53
